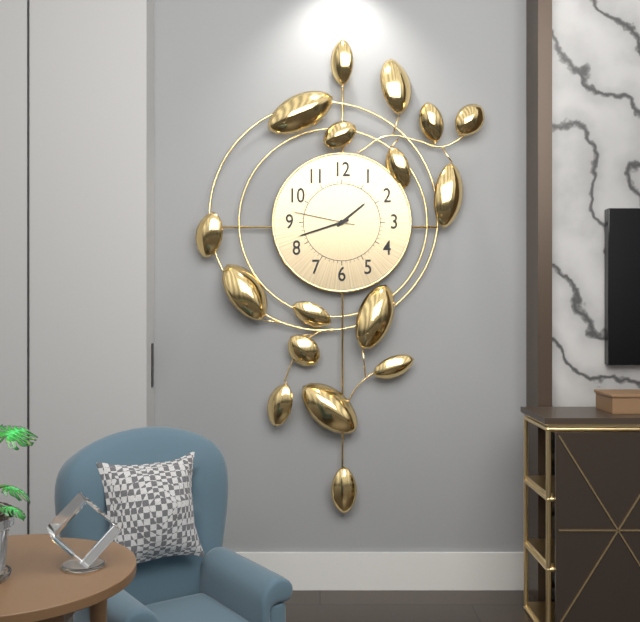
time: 1:42:47
